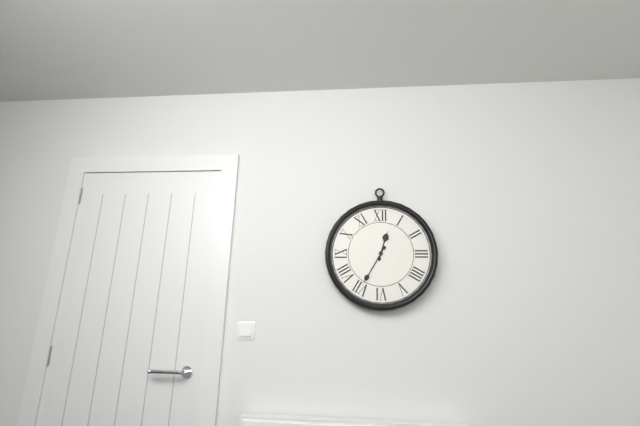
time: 12:35
